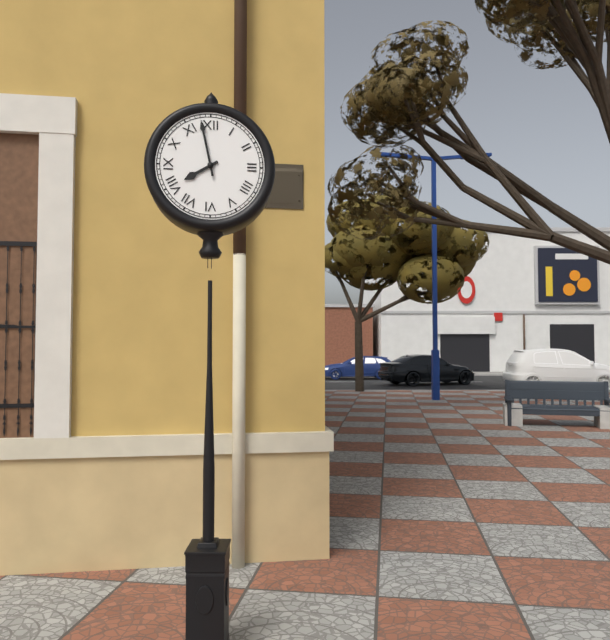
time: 7:58
